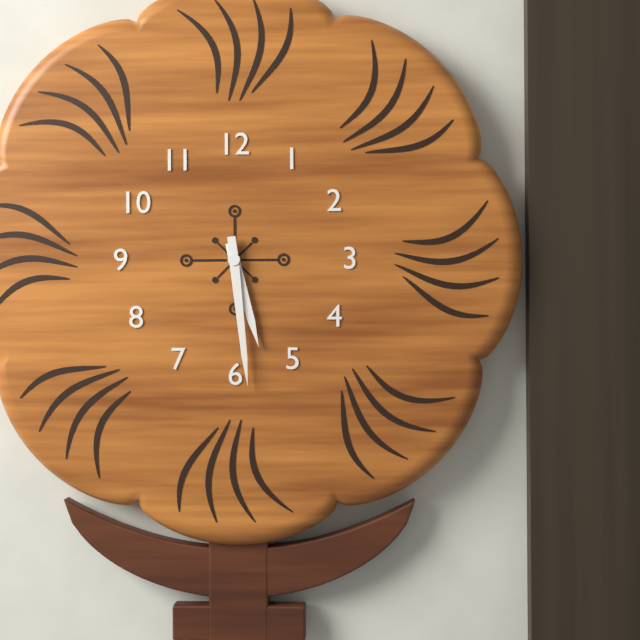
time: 5:29
